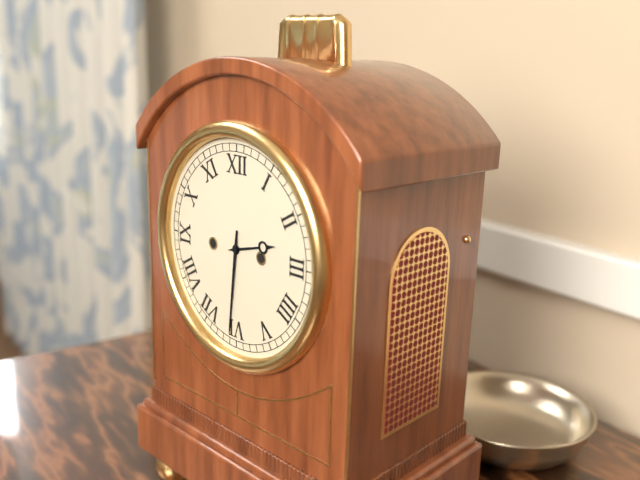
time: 2:31
